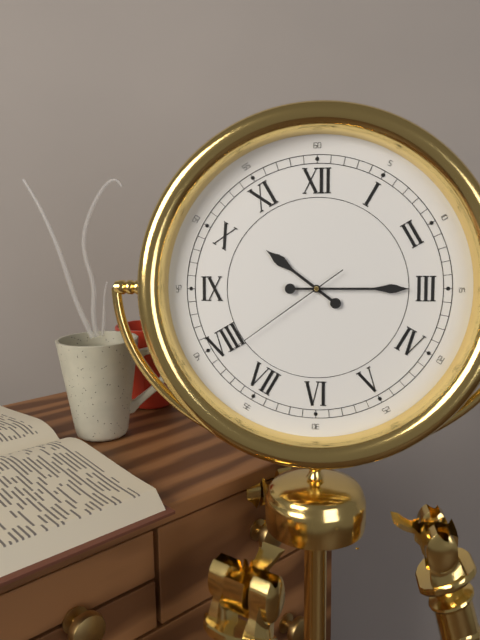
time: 10:15:39
